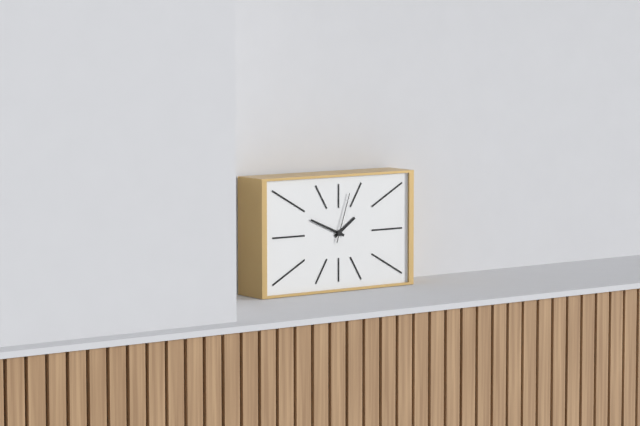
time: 1:49:03
